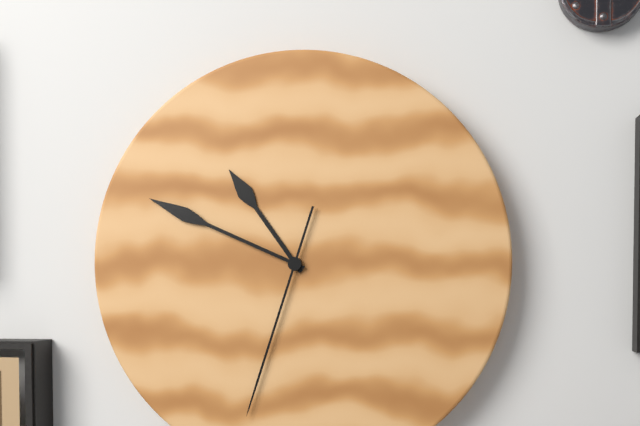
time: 10:49:33
